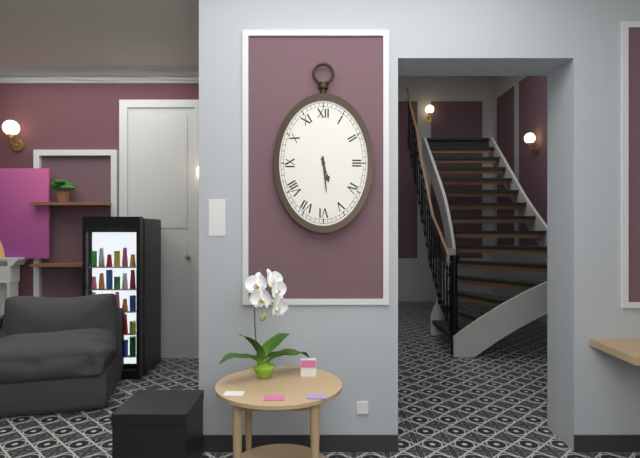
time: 5:29
